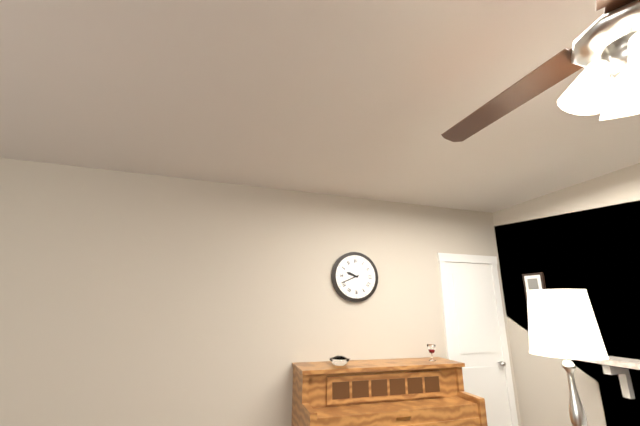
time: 9:41
